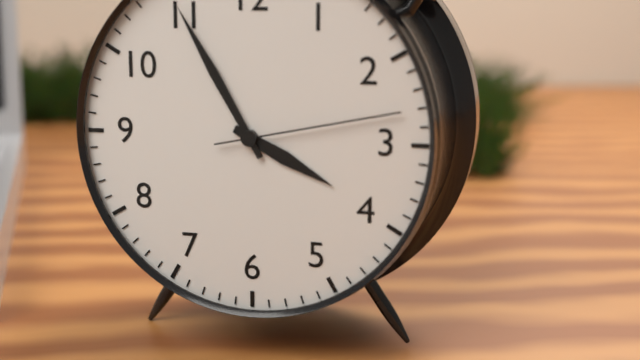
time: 3:55:13
